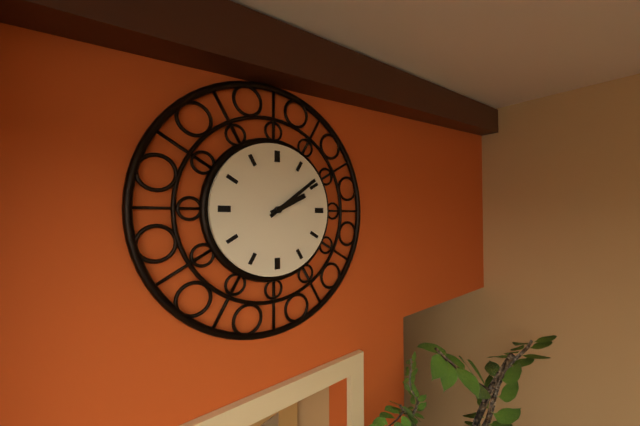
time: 2:09
